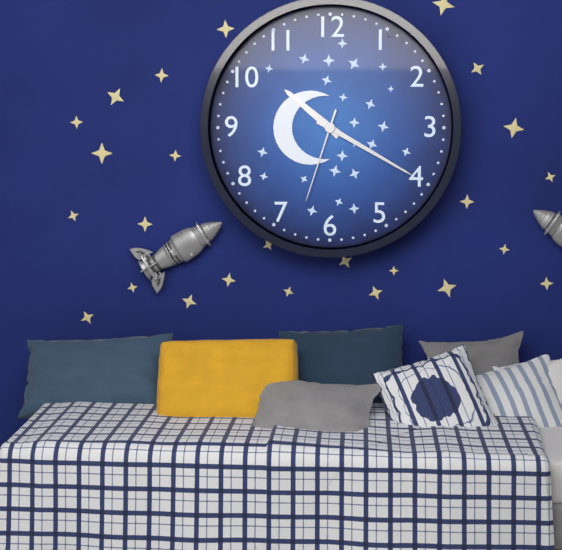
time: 10:20:33
